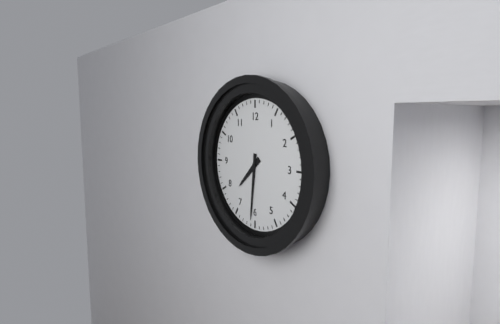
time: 7:31
